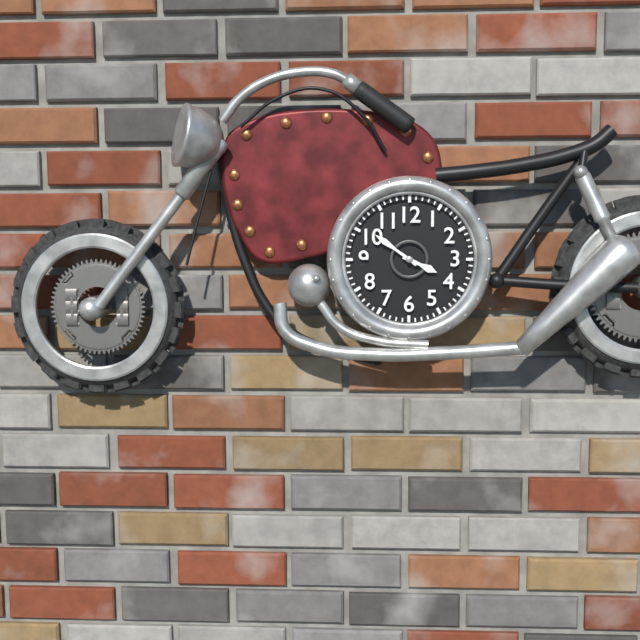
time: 3:51
